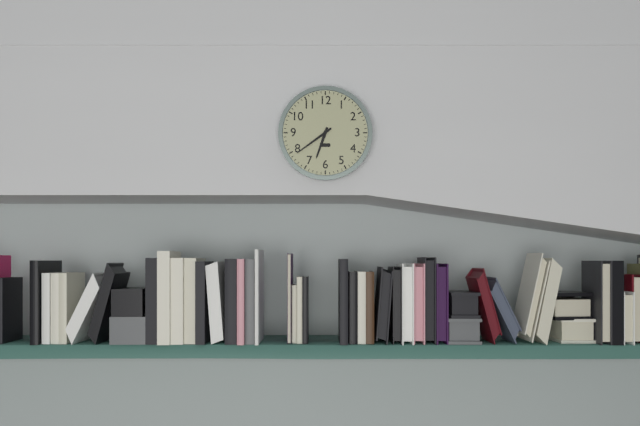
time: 6:39
